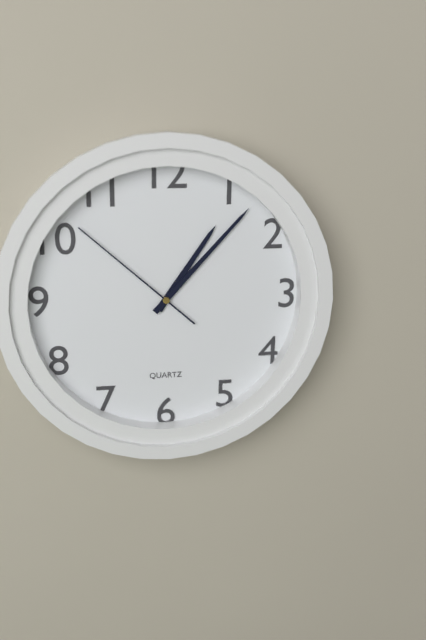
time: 1:07:52
